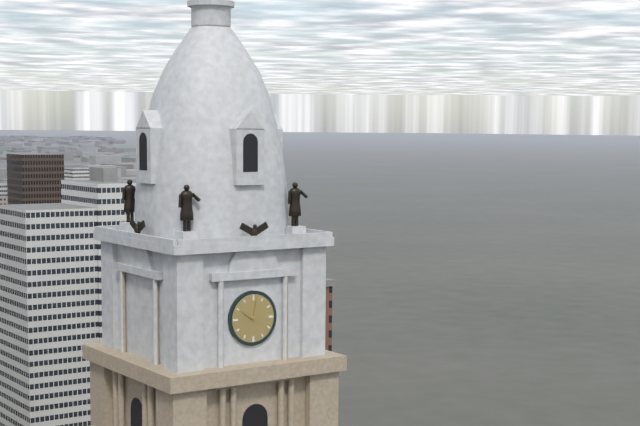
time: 10:02
